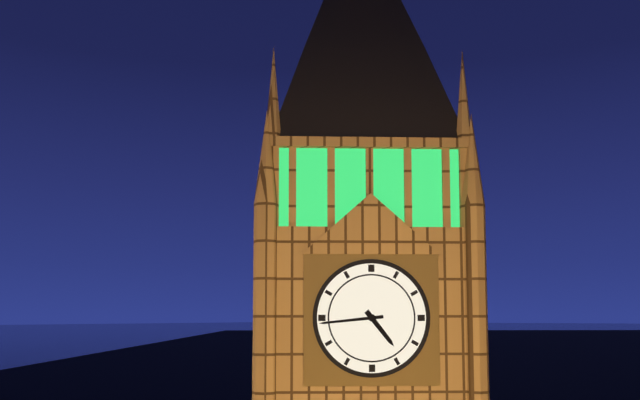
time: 4:44
